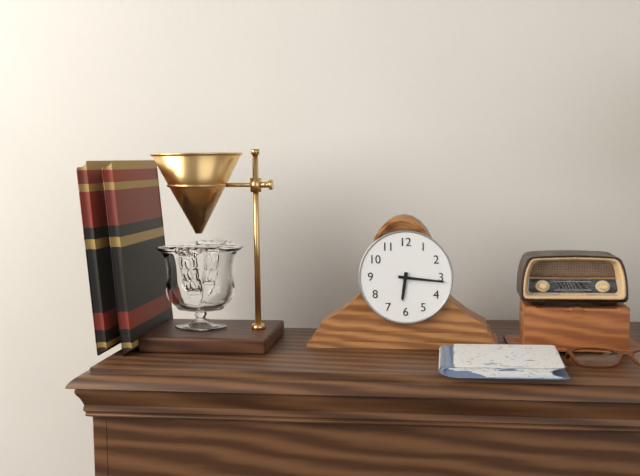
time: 6:16
